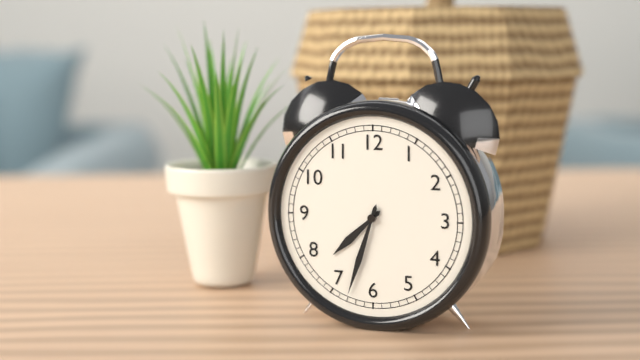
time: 7:33
